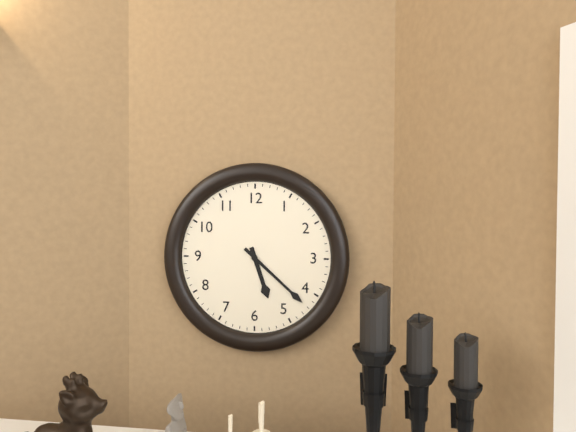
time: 5:22
